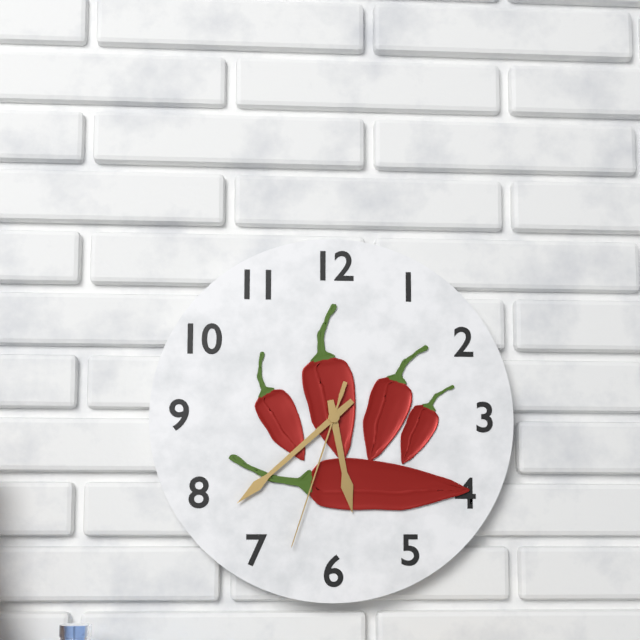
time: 5:38:33
